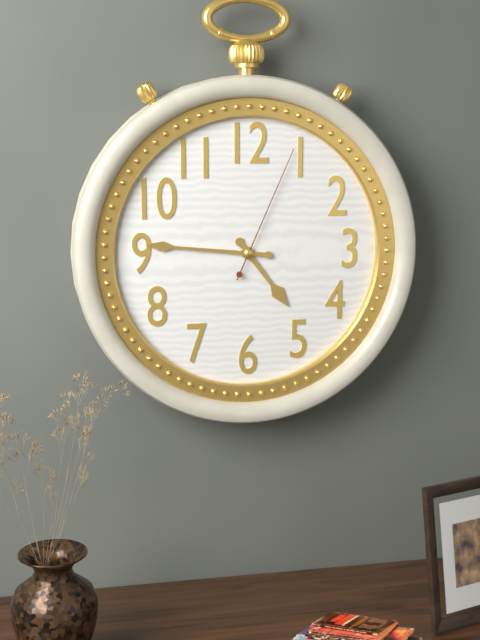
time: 4:46:04
